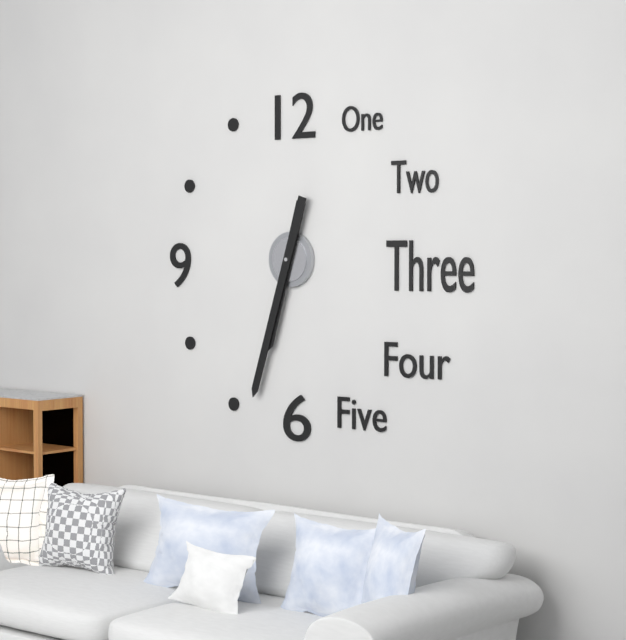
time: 6:33
